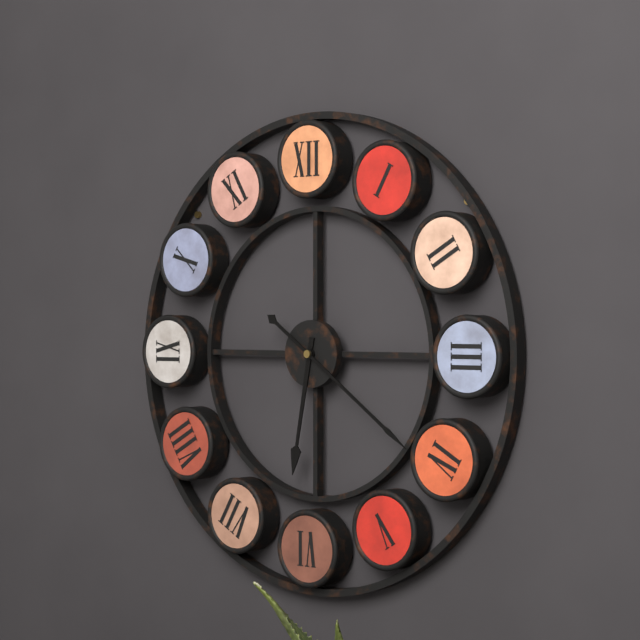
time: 6:21
